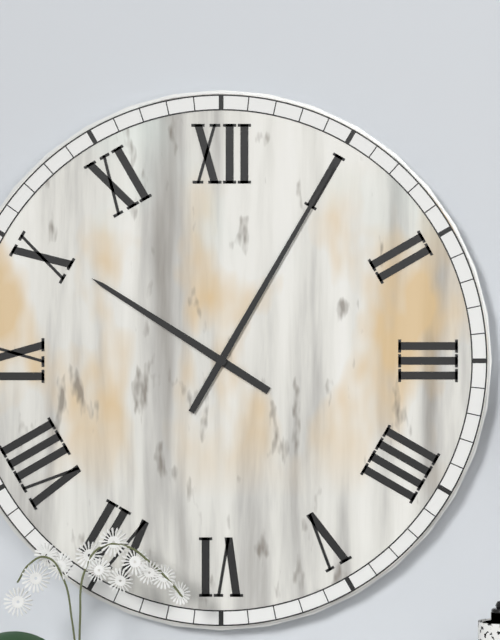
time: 10:05
